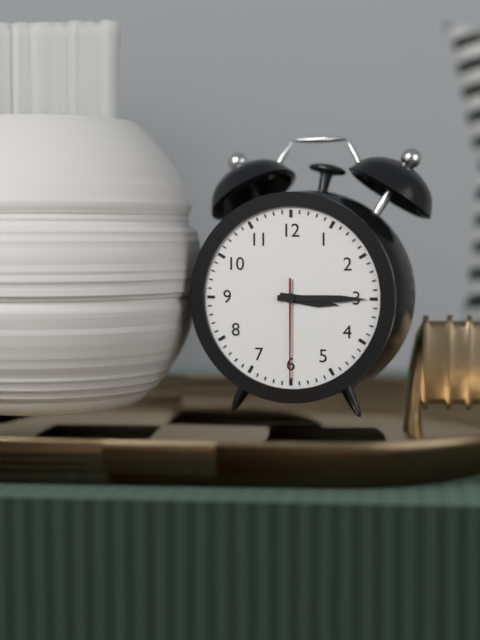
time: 3:15:30
